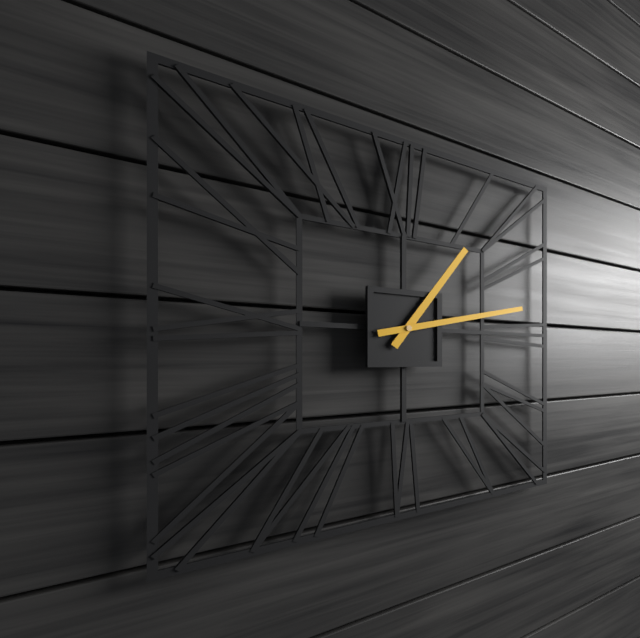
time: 1:13
